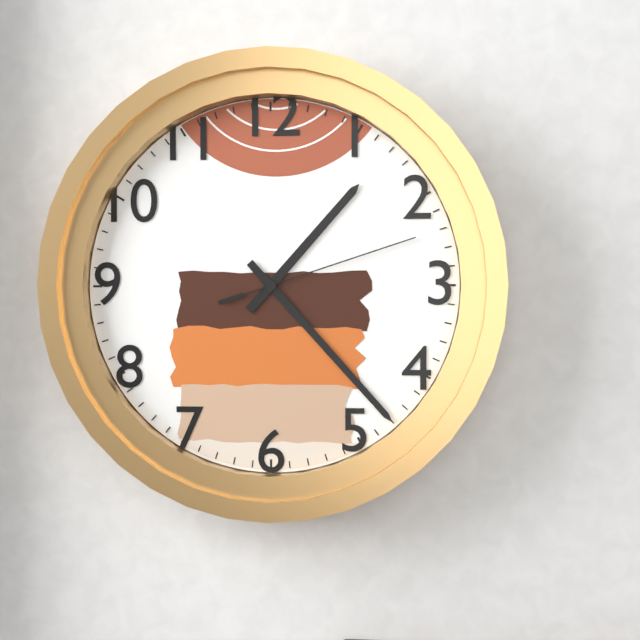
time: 1:23:12
